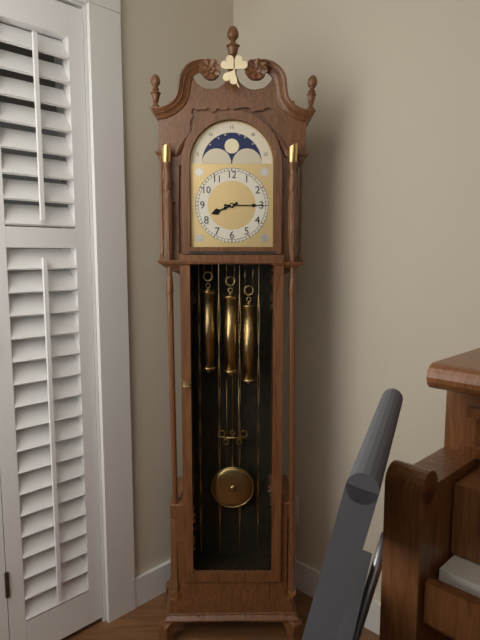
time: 8:15
